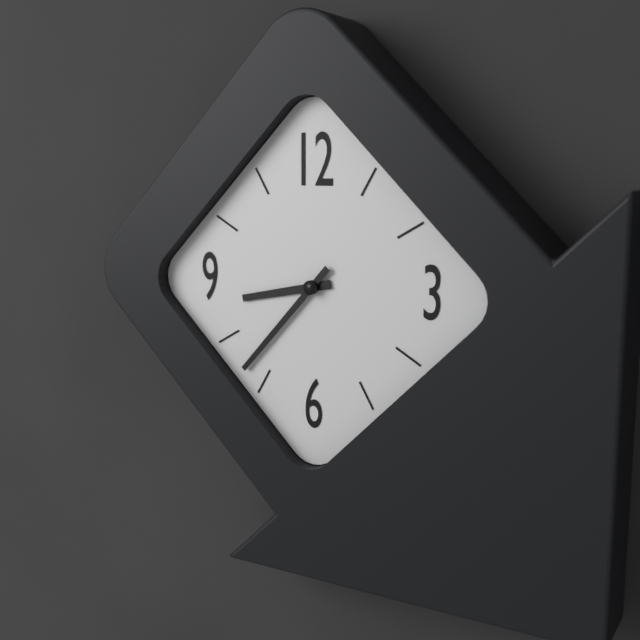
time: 8:37
